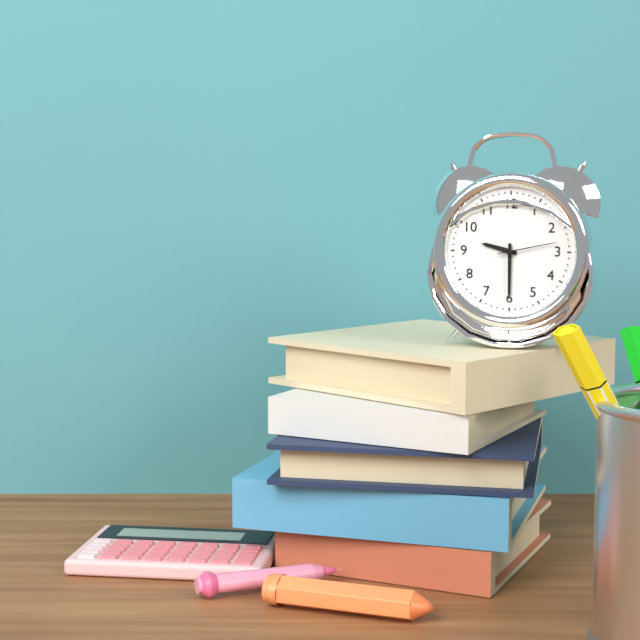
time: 9:30:13
